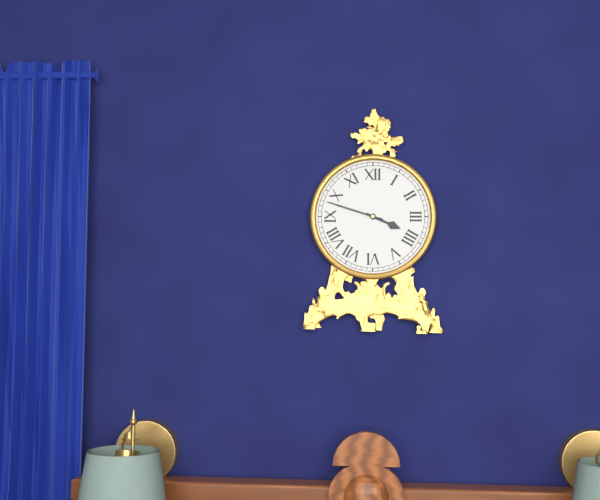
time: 3:48
